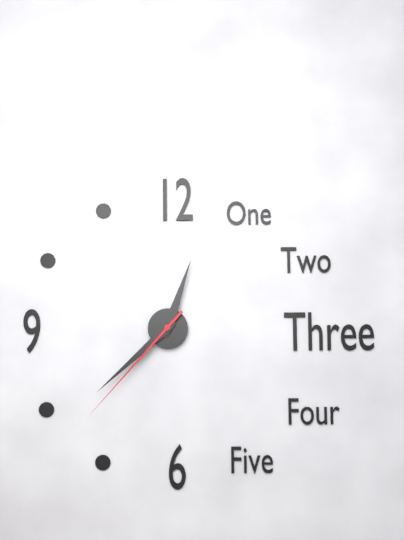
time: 12:38:37
